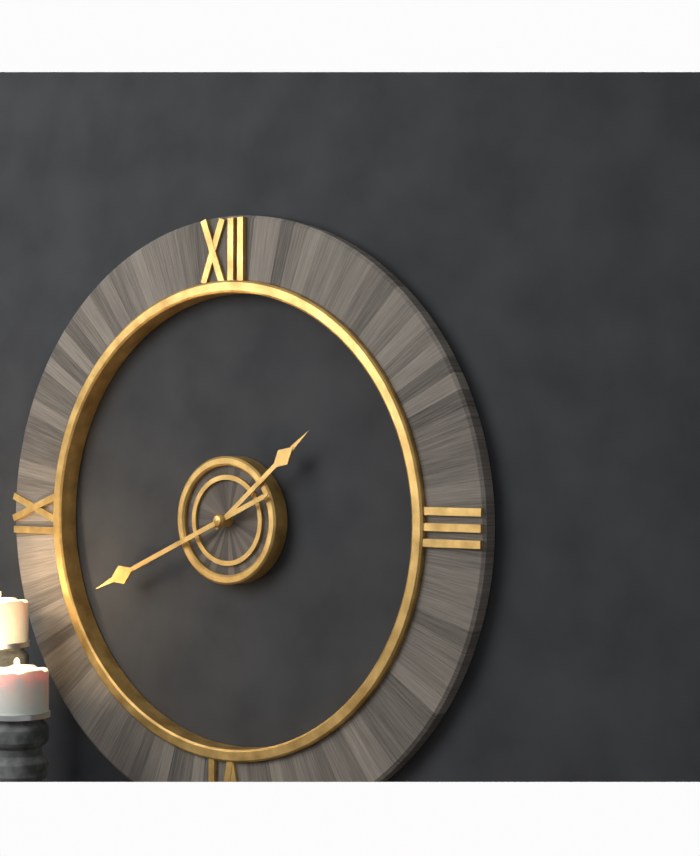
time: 1:41
